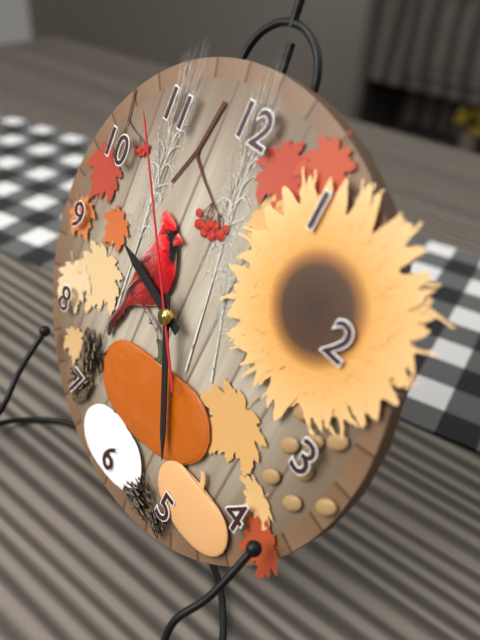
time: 9:25:53
